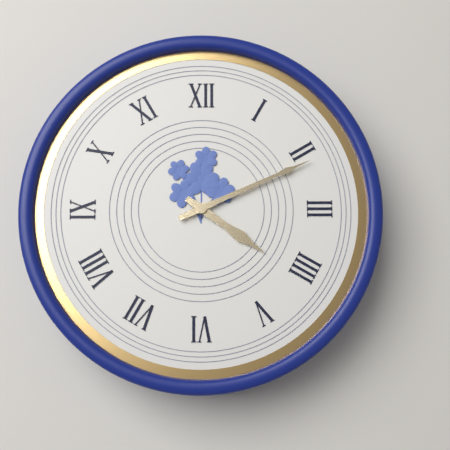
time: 4:11
